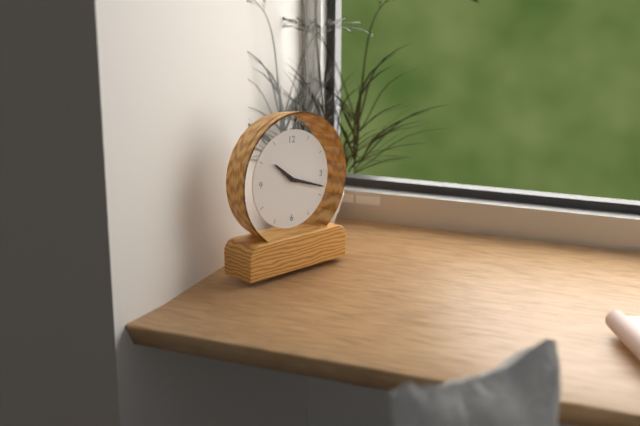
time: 10:18
